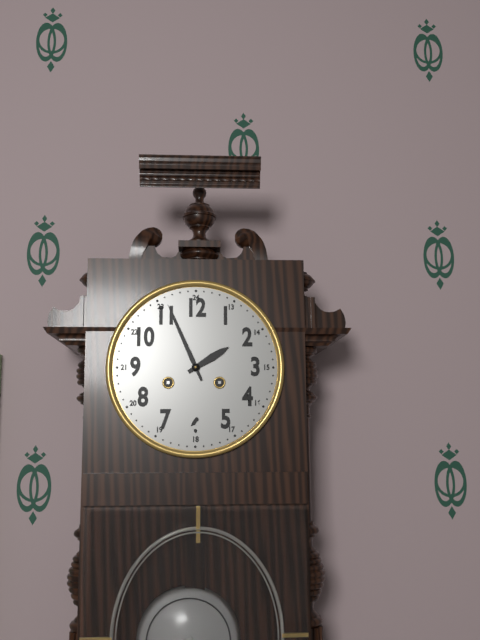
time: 1:56
